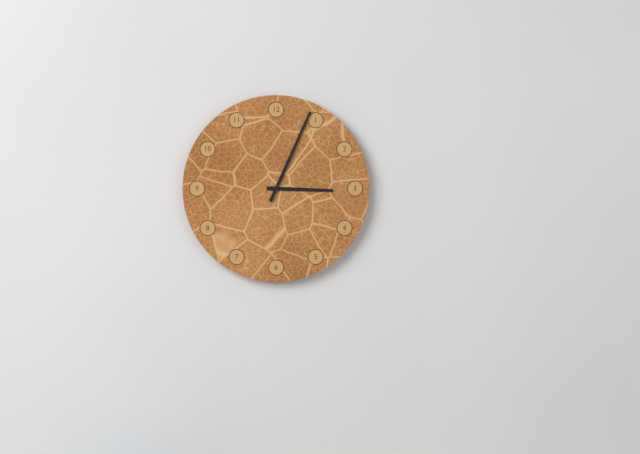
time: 3:04
